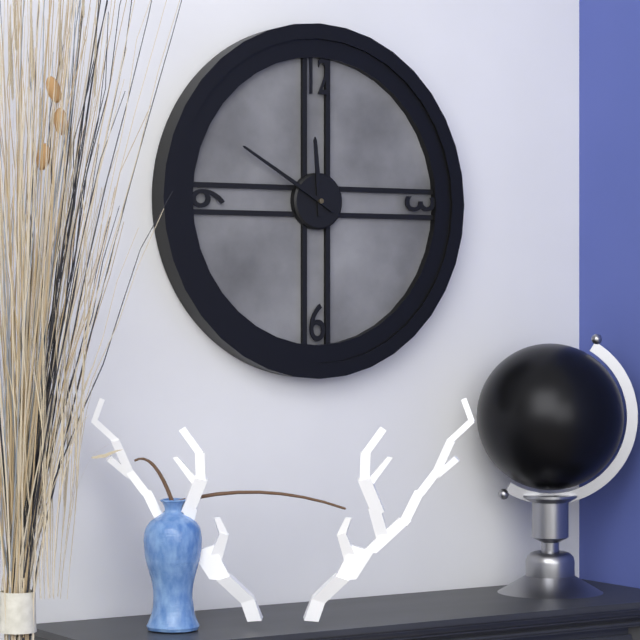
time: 11:50
